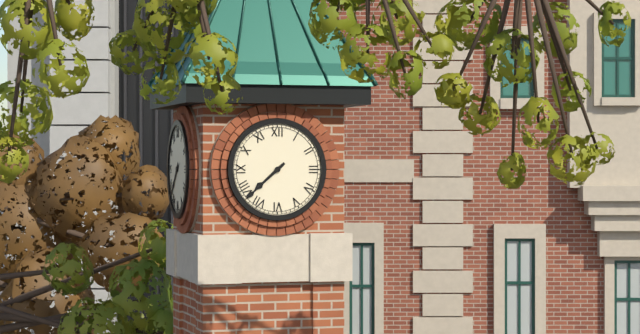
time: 7:38
